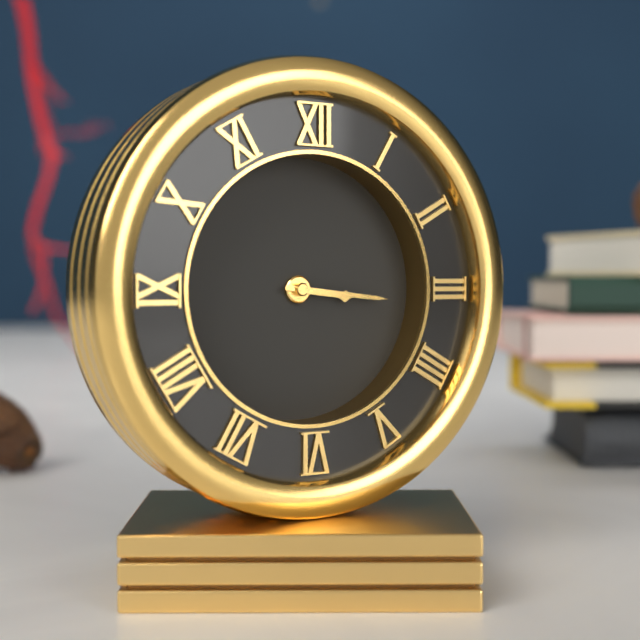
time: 3:16
